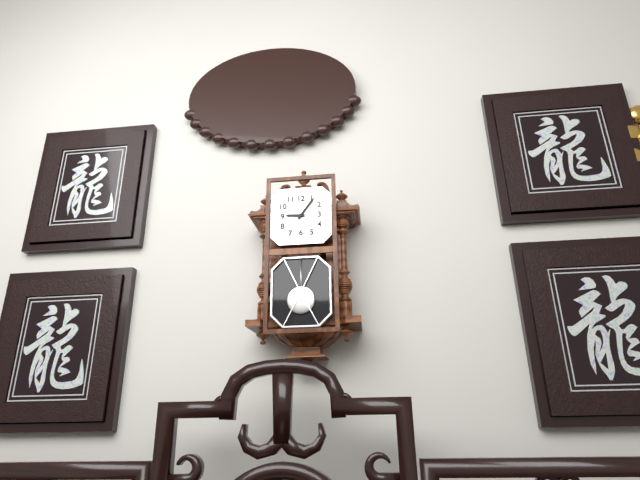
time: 9:06
